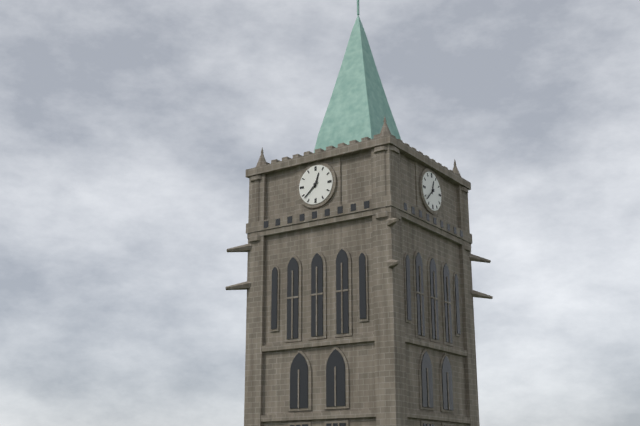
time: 12:38
